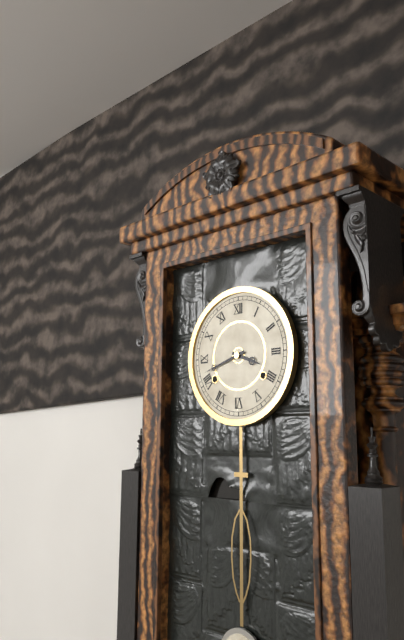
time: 3:42
